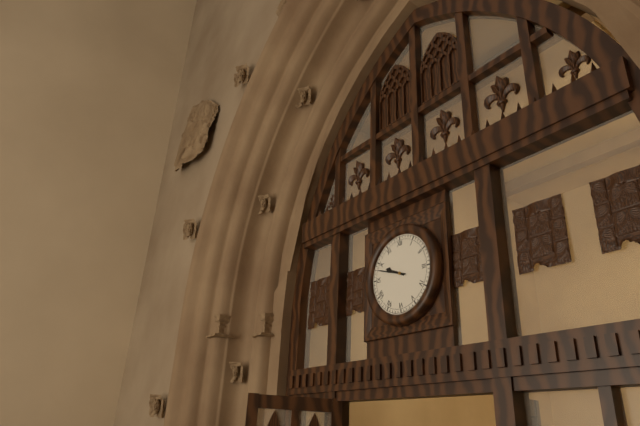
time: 9:48
